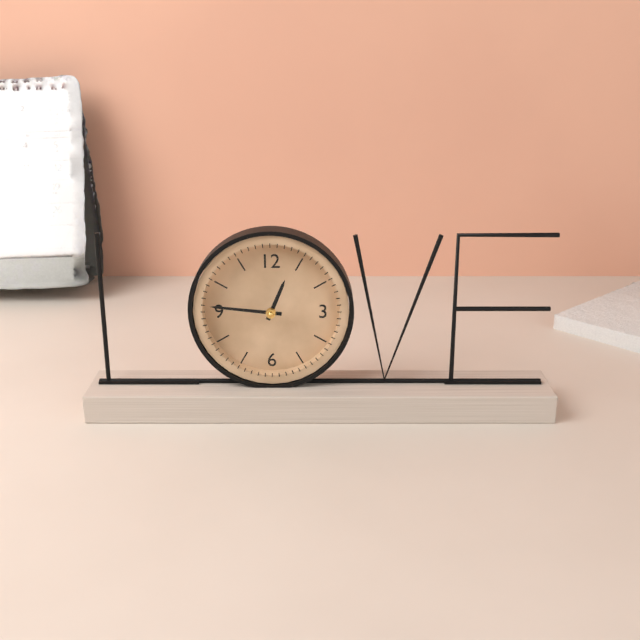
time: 12:46
